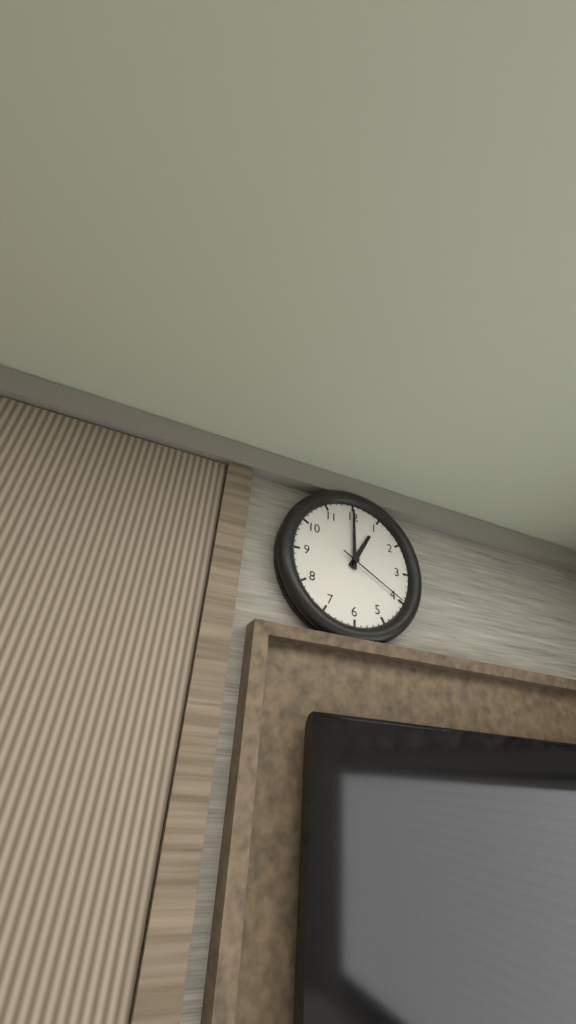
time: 1:00:20
